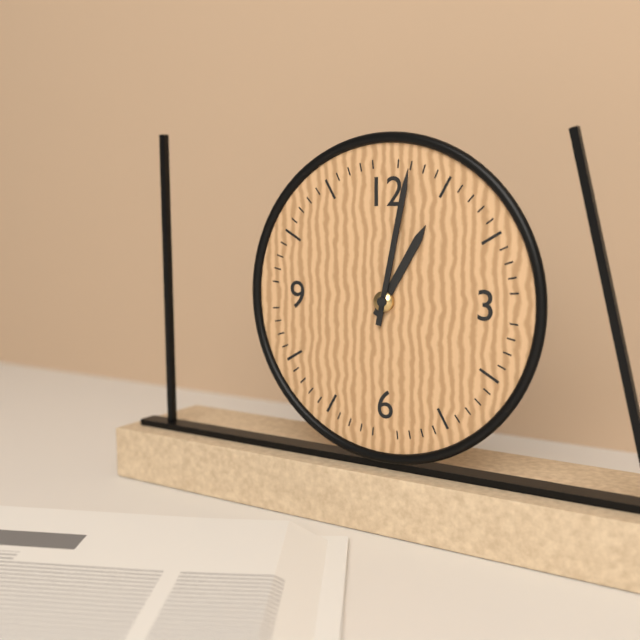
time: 1:02
